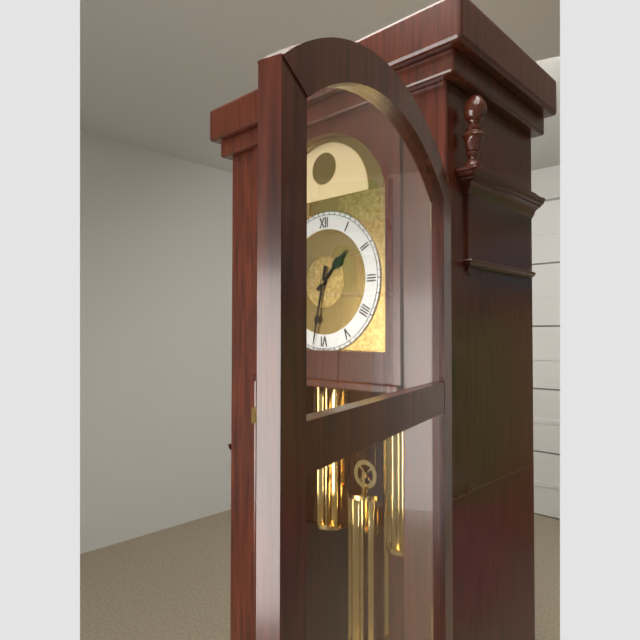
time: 1:32
